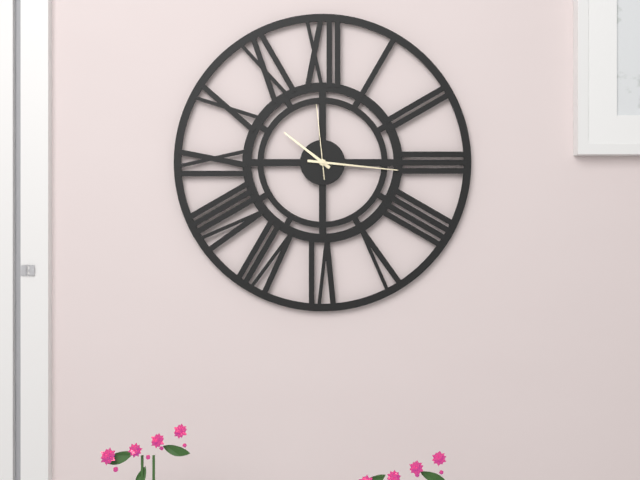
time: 10:16:59
